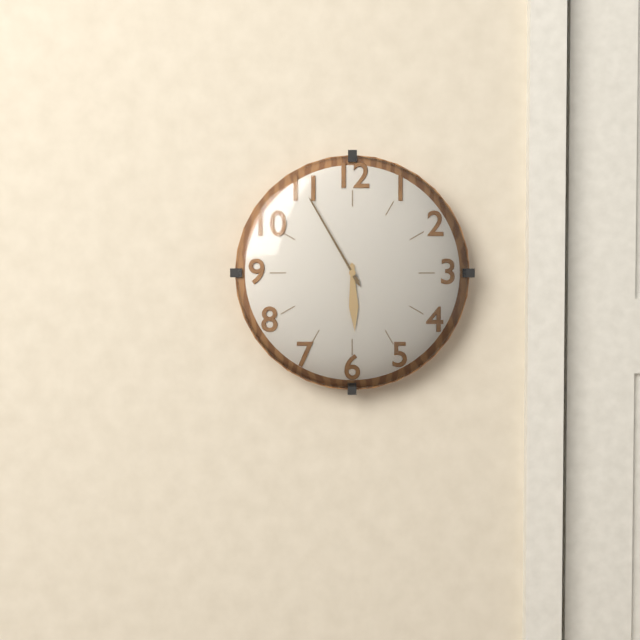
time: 5:55
